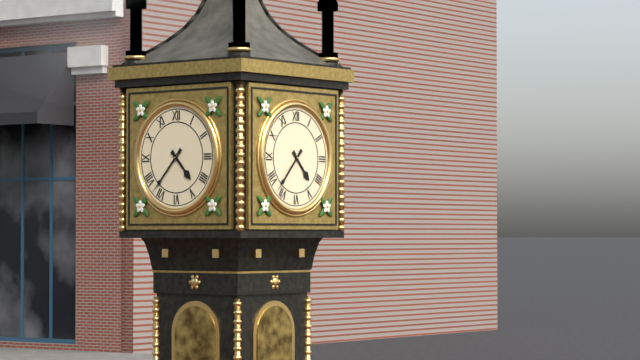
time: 4:37
